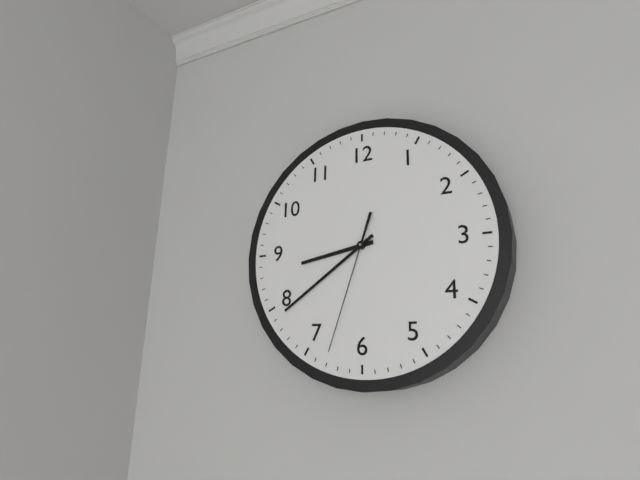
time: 8:39:33
